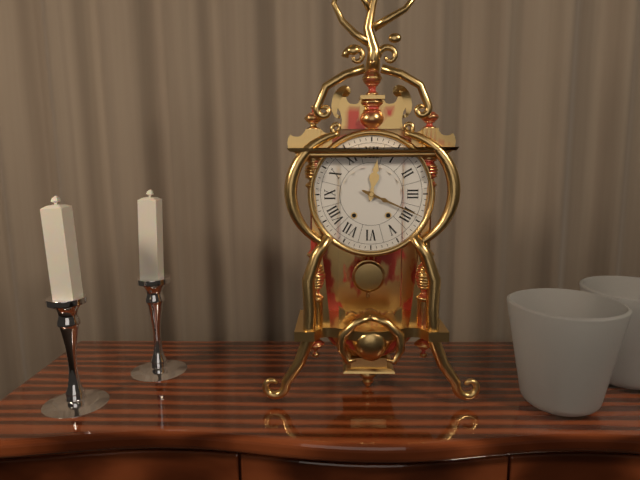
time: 12:19
